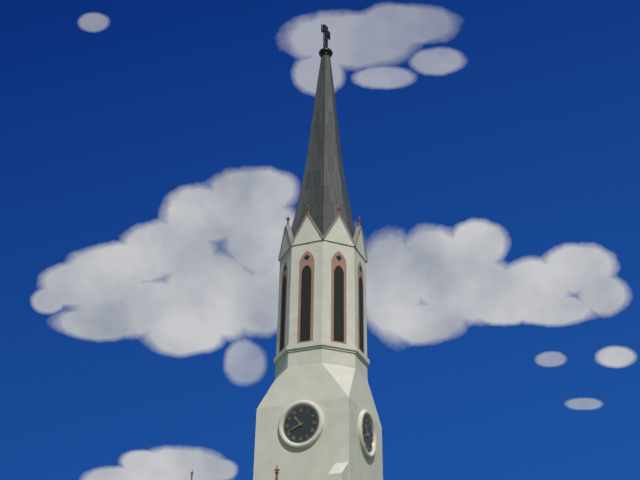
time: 10:41
